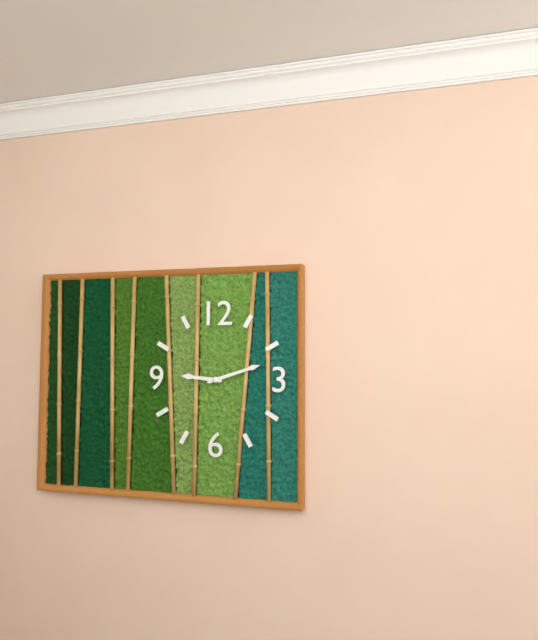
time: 9:12
